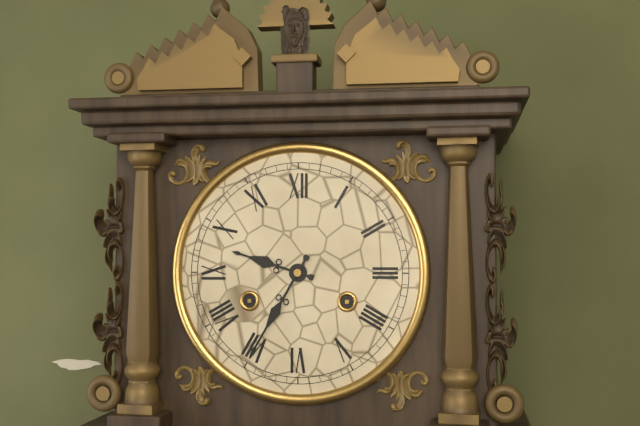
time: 9:35
